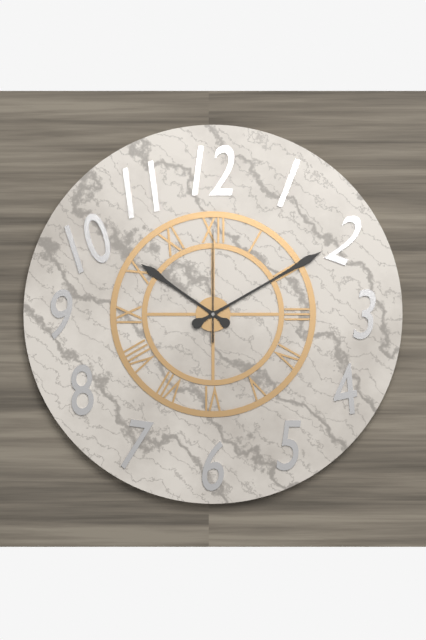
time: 10:10:00
